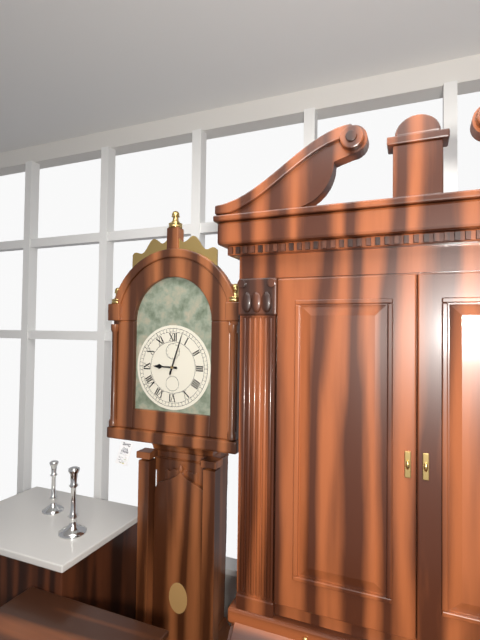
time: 9:03
